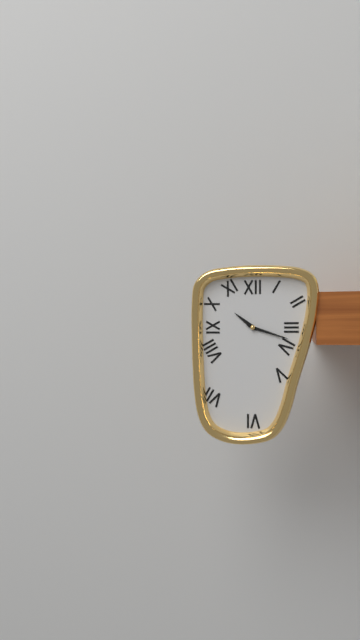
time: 10:18
